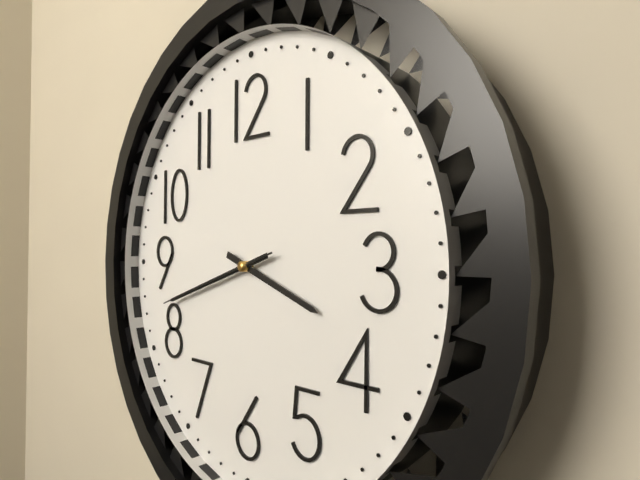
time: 3:42:42
